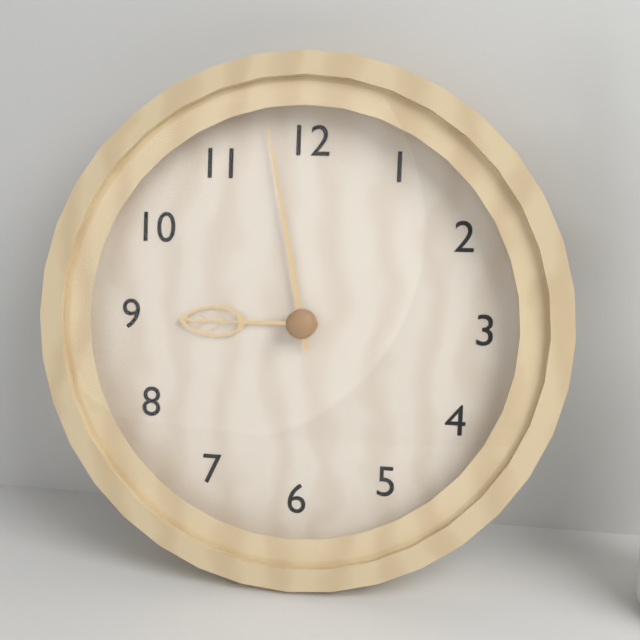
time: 8:58
